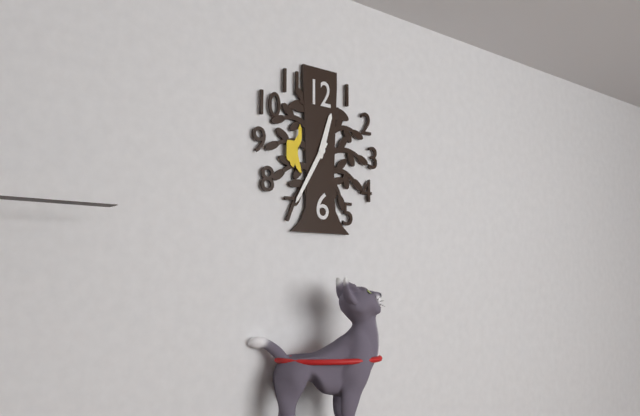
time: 12:35
